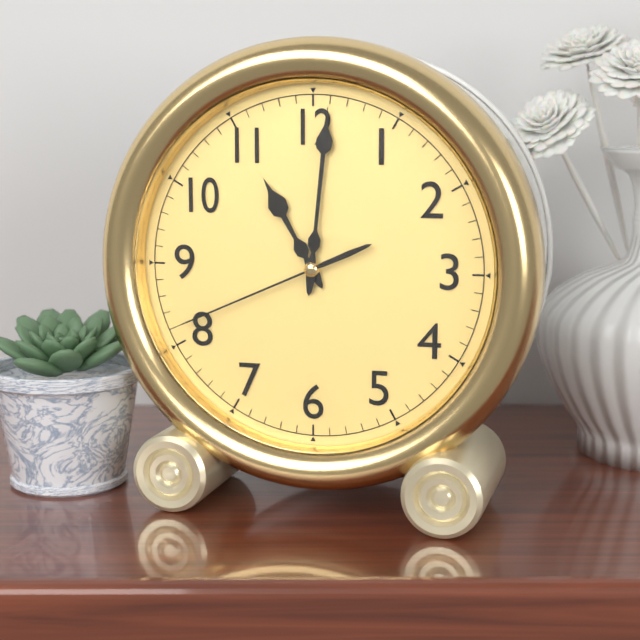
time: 11:01:41
